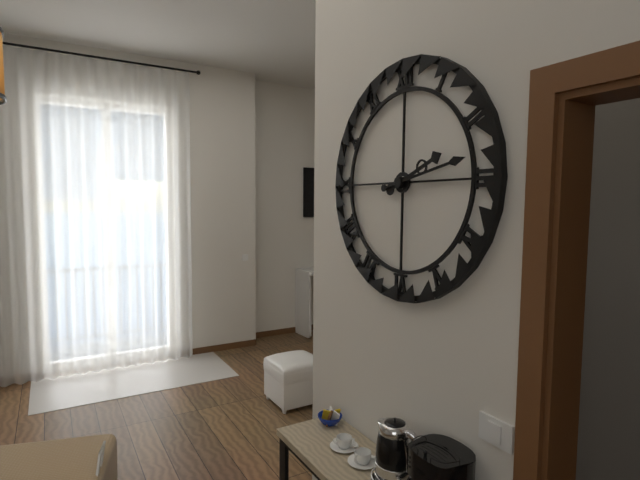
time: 2:13
